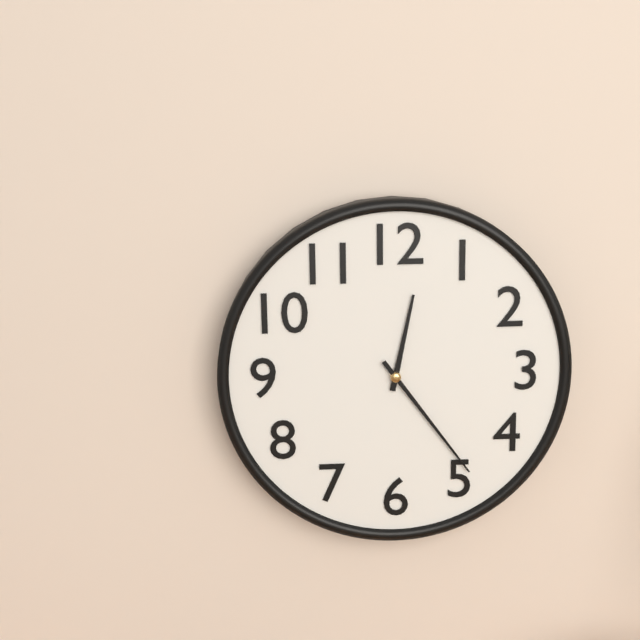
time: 12:24
